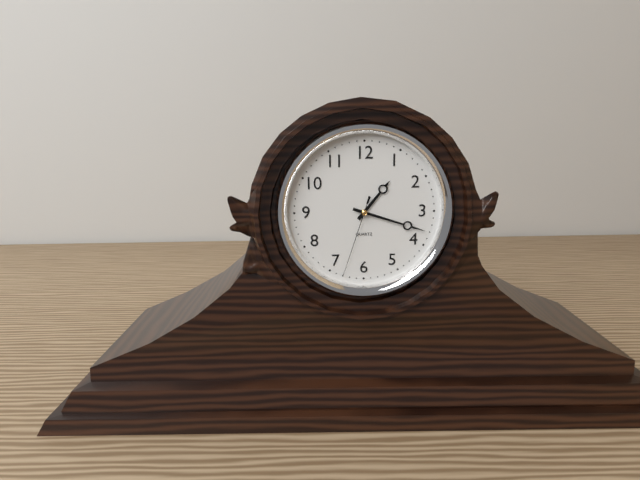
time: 1:18:33
